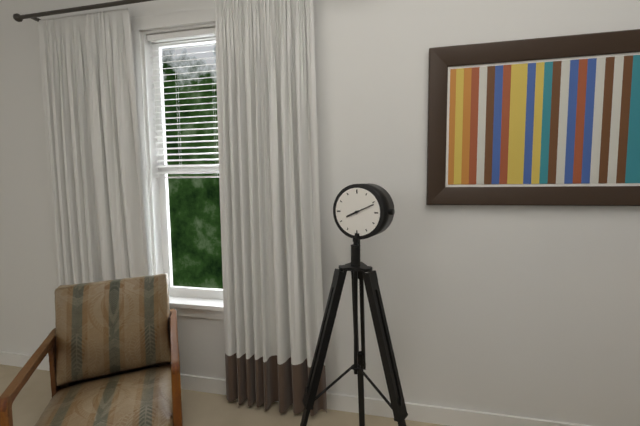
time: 8:11
